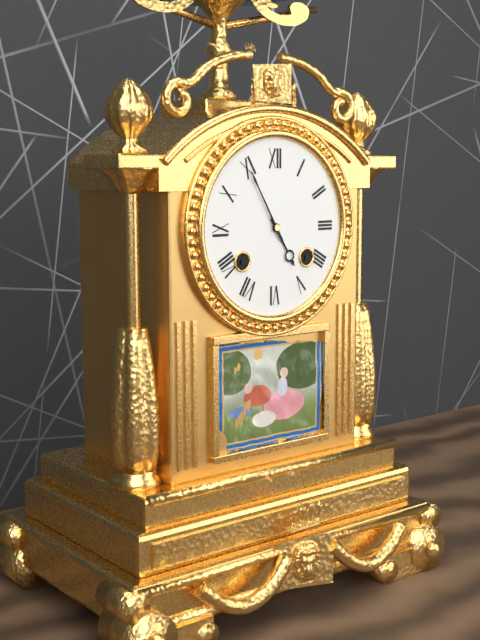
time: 4:55
